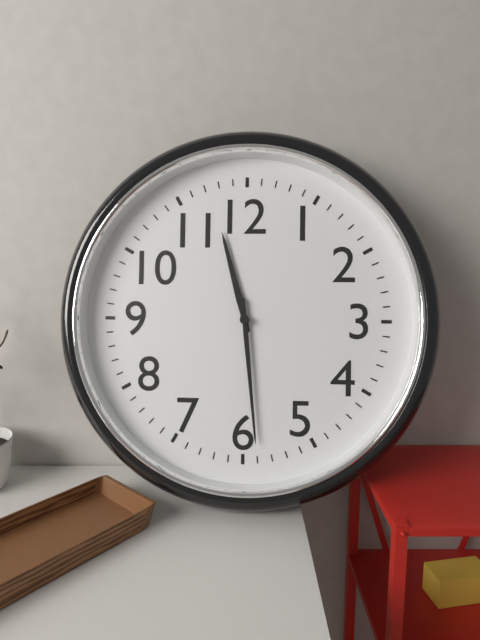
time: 11:29
